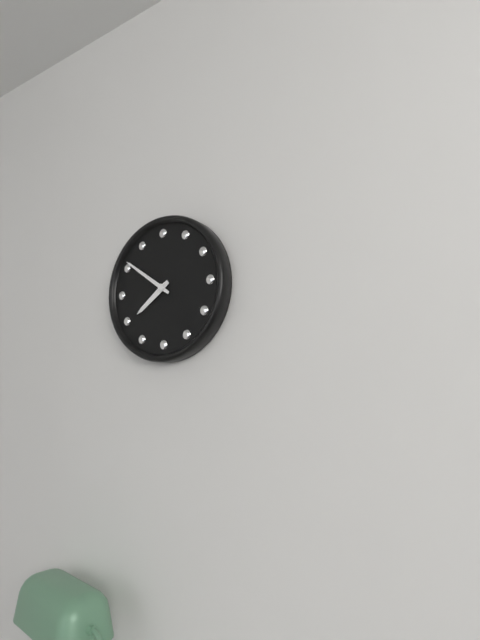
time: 7:51
